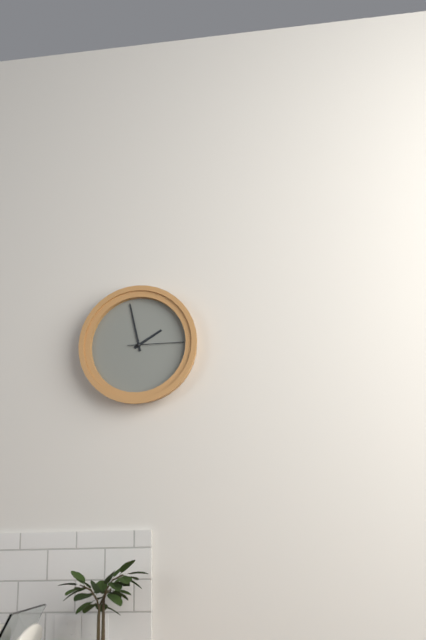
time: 1:58:15
